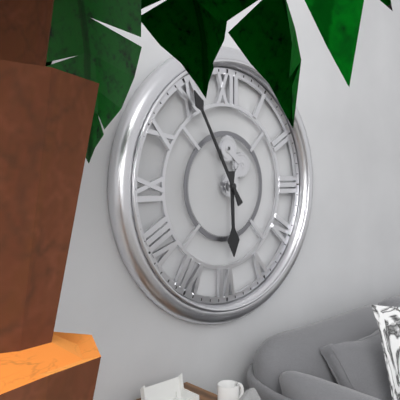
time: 5:55
